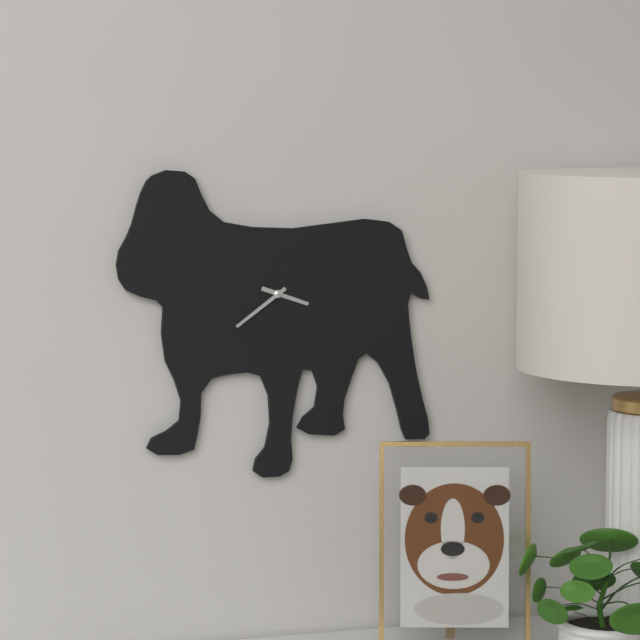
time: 3:39
